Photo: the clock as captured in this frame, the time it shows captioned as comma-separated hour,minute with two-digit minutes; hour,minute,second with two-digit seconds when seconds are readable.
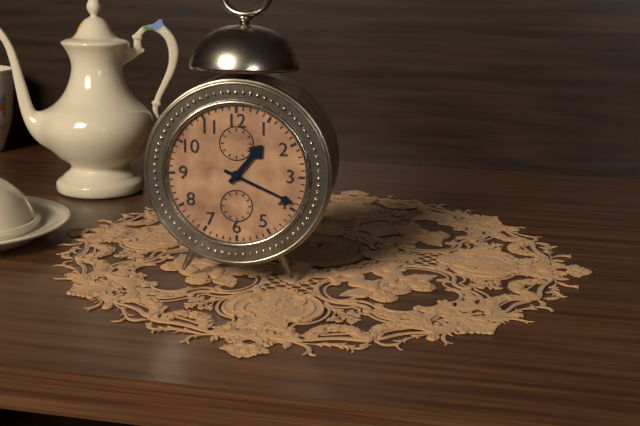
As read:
1,19
